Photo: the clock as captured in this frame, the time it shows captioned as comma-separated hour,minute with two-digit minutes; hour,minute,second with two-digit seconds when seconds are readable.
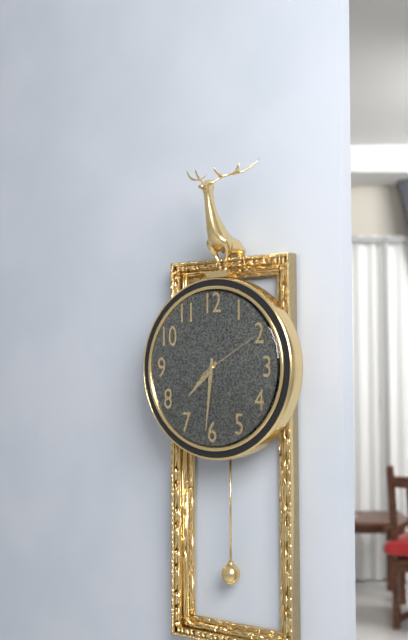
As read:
7,31,10
